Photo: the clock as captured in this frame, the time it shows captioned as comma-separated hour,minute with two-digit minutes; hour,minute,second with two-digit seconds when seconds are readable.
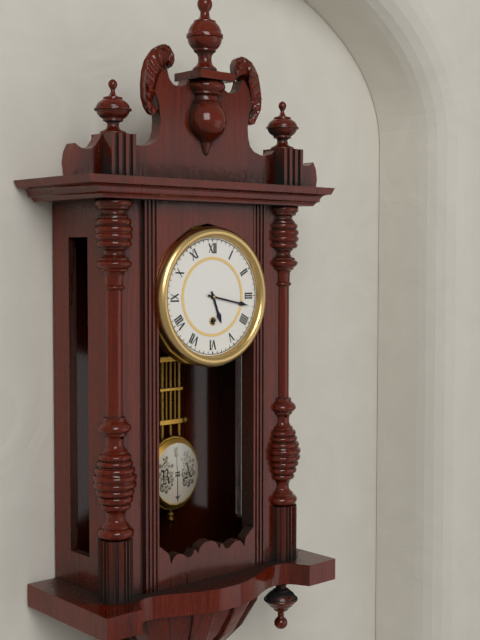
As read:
5,17
